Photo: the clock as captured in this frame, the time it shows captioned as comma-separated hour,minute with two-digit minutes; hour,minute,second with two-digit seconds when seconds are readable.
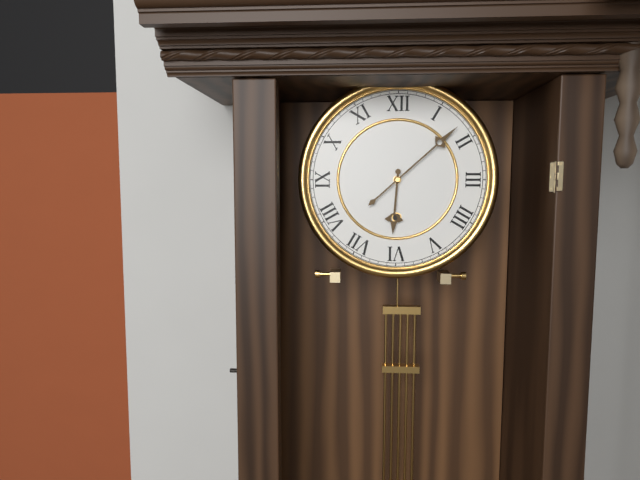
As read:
6,08
